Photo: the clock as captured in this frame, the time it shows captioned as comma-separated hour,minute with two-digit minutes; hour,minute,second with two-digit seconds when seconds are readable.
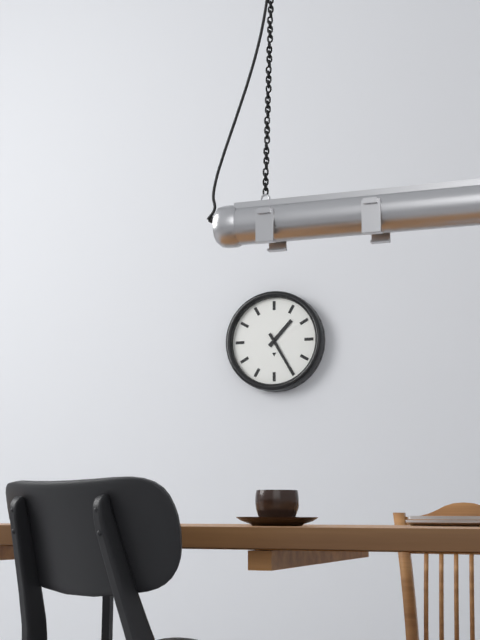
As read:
1,25
